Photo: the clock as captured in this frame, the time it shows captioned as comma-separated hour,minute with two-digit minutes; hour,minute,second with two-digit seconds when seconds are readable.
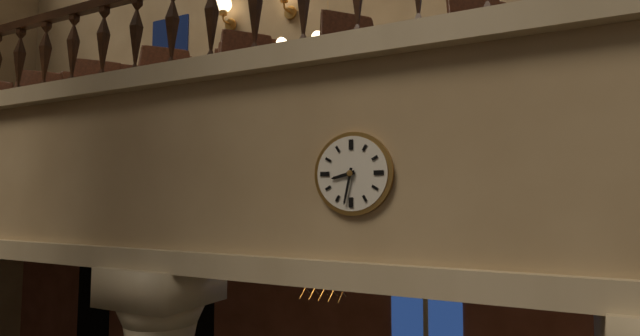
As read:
8,32
